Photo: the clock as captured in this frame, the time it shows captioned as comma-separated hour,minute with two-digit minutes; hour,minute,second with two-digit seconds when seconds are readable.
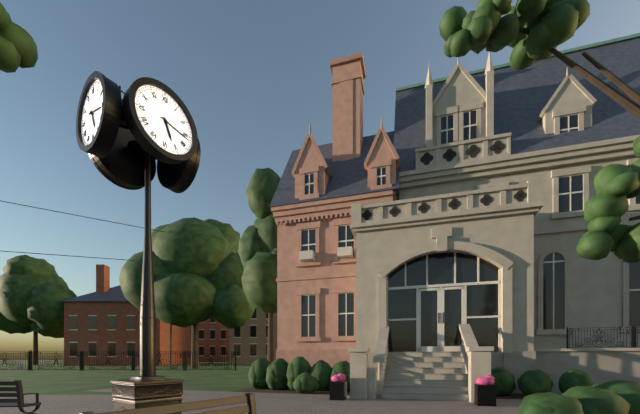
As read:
5,17
